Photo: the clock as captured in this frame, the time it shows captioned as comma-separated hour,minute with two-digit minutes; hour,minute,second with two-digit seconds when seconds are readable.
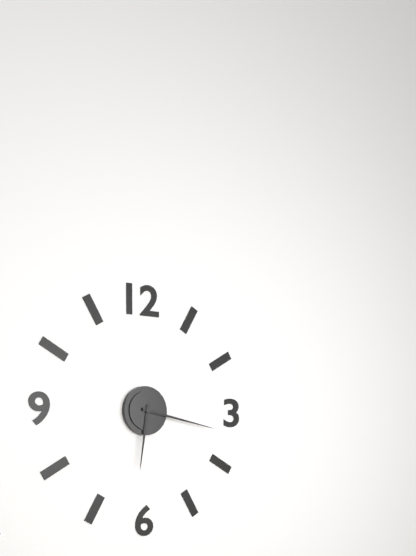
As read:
6,17
